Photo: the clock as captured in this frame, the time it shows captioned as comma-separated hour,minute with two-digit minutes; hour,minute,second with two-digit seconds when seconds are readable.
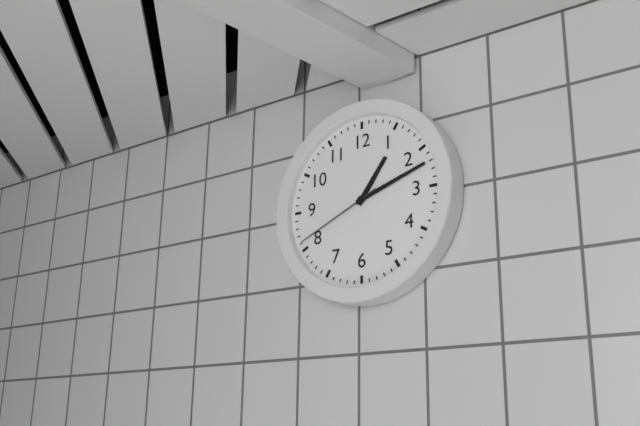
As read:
1,12,41
